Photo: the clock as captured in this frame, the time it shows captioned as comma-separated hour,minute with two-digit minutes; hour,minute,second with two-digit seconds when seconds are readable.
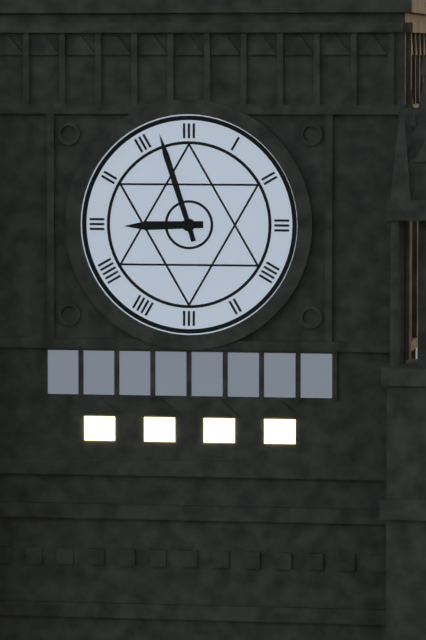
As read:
8,57
